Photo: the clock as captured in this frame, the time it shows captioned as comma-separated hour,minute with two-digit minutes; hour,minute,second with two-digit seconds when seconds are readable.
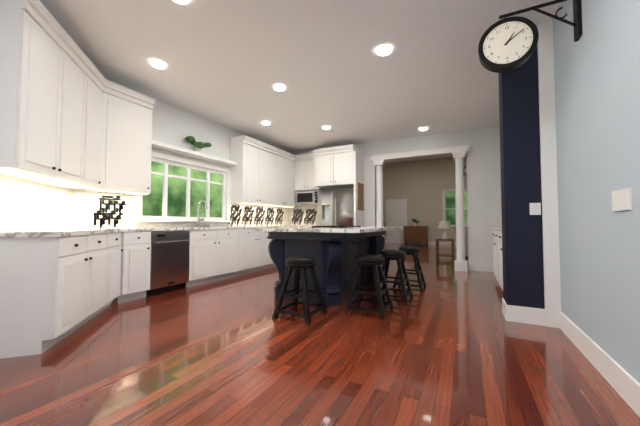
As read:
1,09
